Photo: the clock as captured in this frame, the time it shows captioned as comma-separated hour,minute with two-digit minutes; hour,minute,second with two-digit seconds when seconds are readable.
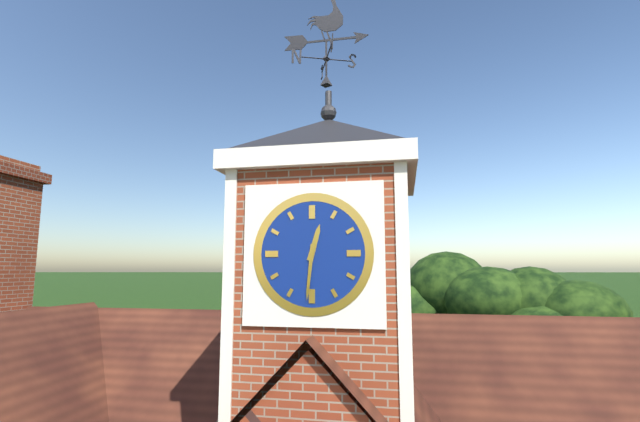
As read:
12,31
